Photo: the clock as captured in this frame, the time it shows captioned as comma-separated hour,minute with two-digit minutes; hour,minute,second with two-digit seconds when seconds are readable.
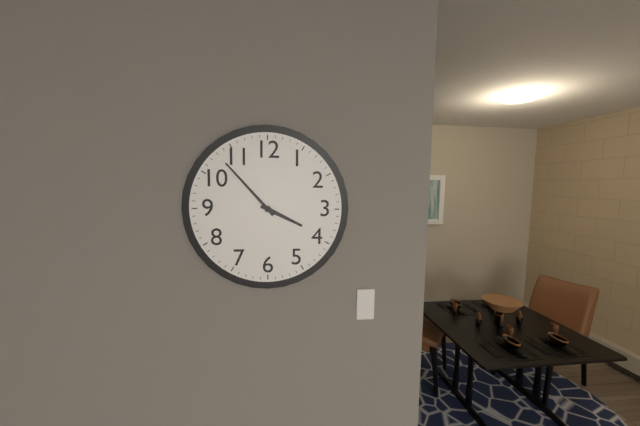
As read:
3,53
